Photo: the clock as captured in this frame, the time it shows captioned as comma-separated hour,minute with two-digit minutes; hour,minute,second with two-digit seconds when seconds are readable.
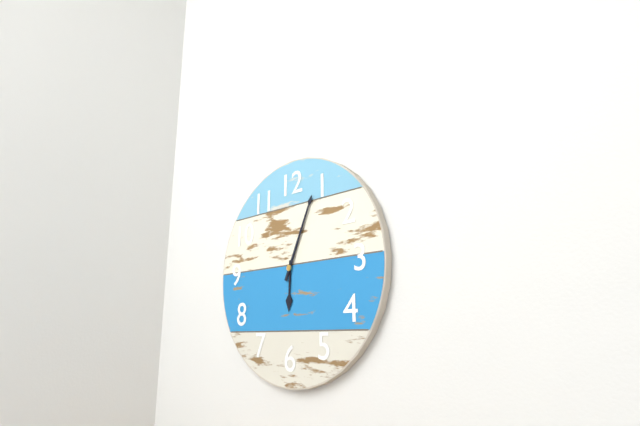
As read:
6,04
